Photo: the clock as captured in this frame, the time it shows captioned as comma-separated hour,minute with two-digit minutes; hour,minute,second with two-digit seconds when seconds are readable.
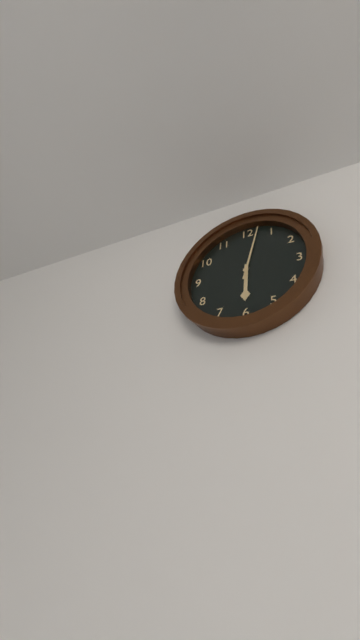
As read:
6,02
